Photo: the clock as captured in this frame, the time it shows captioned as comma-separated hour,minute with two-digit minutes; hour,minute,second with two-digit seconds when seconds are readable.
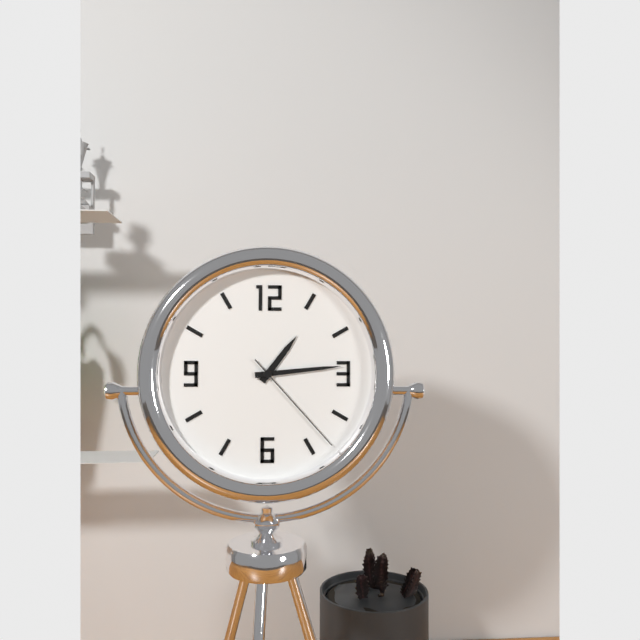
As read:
1,14,23
